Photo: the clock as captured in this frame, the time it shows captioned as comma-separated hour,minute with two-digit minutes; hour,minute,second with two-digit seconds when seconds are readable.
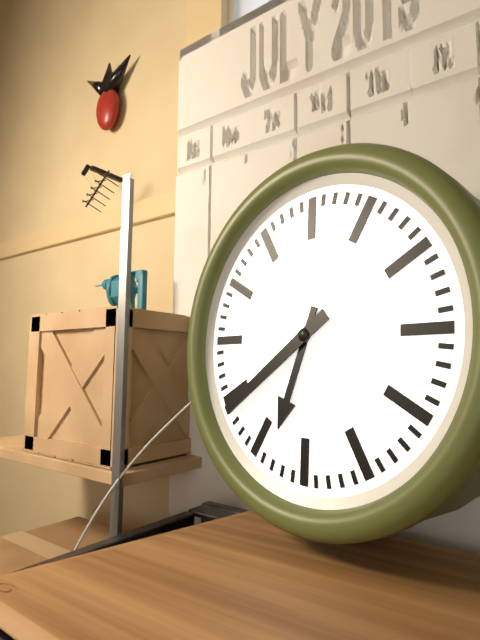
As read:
6,39
